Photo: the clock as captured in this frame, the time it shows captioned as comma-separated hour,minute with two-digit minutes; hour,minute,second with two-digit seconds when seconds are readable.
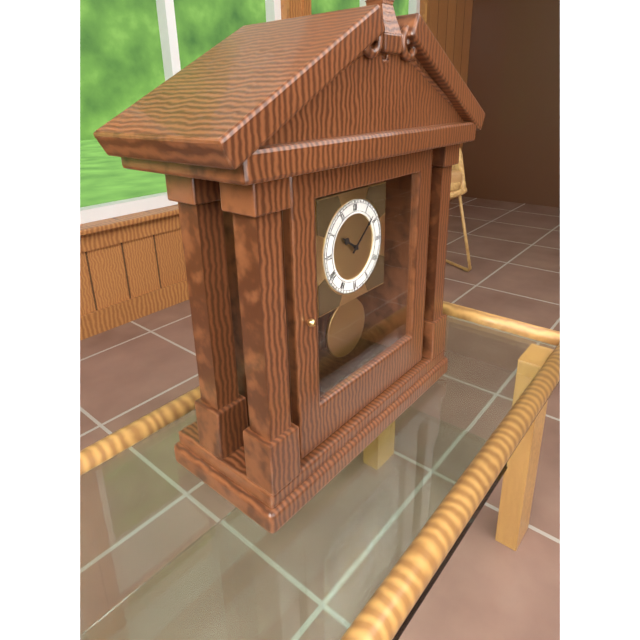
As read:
10,08
